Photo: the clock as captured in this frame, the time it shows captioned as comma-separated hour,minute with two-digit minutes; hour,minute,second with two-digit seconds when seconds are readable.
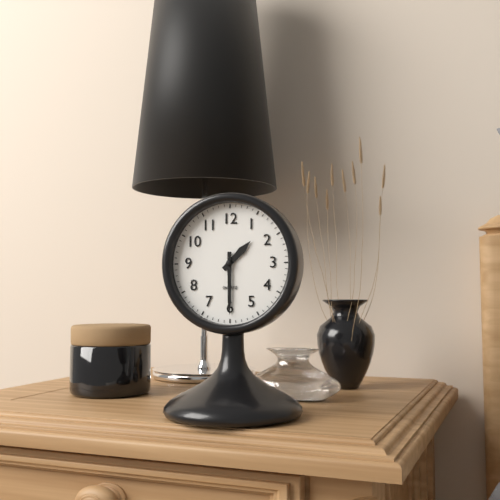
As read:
1,30
